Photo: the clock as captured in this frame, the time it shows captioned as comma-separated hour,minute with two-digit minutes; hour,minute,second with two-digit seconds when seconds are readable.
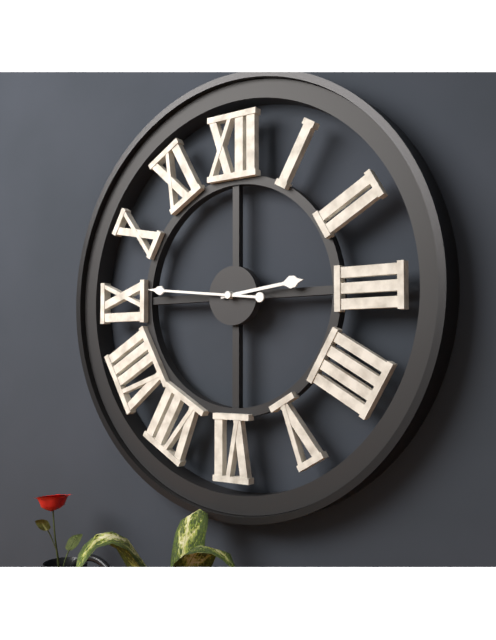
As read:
2,46
